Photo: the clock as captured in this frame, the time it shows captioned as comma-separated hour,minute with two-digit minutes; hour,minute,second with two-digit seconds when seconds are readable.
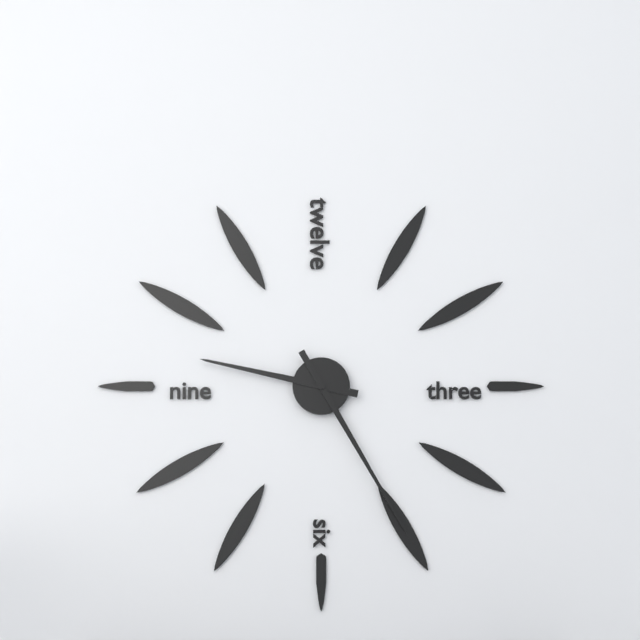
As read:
9,25
